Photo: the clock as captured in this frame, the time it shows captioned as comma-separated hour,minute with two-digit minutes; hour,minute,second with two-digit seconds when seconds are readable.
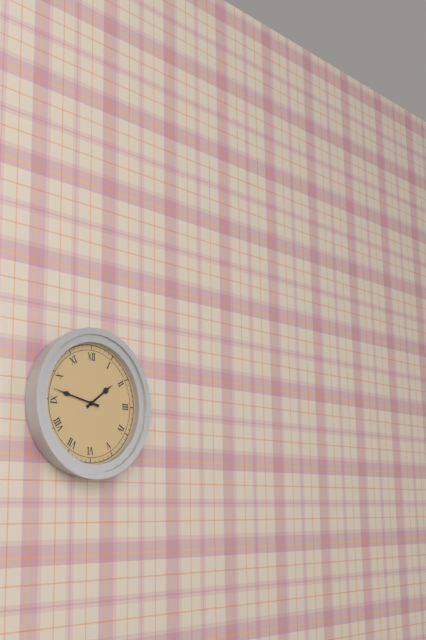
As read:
1,47
